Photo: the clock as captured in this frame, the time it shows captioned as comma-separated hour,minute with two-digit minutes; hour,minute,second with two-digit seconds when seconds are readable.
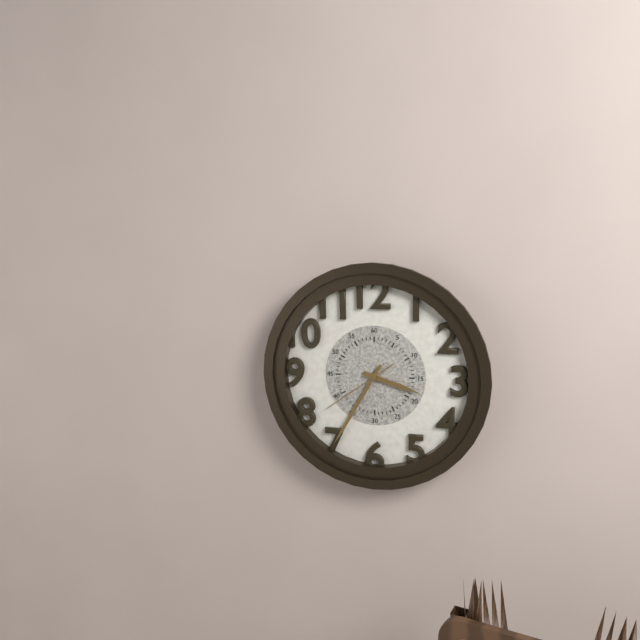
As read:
3,35,39
